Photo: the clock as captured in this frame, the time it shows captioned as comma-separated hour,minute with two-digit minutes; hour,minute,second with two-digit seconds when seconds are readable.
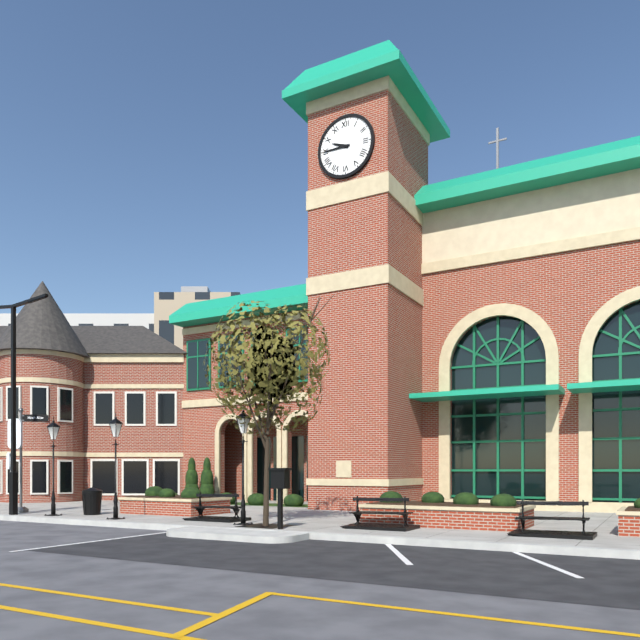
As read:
9,45
